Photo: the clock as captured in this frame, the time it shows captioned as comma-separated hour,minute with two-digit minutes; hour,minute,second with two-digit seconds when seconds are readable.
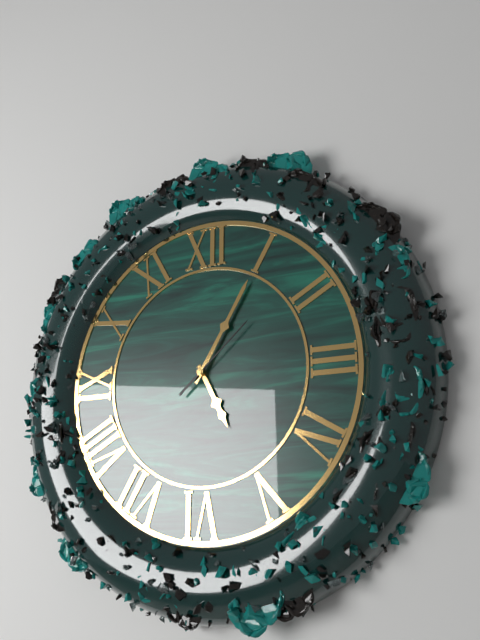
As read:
5,05,08
